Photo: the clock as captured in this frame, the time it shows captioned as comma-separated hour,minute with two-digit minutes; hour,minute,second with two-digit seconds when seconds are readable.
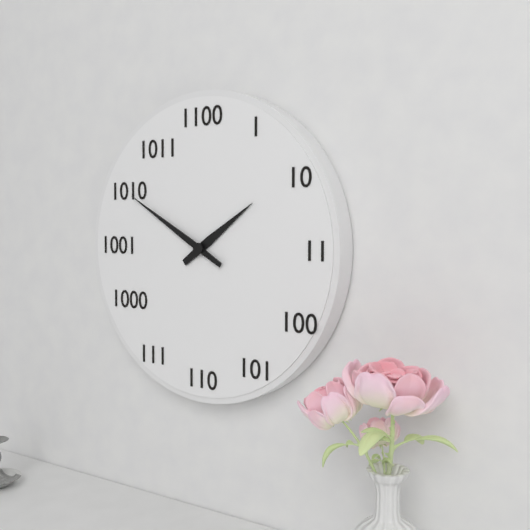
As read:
1,50
